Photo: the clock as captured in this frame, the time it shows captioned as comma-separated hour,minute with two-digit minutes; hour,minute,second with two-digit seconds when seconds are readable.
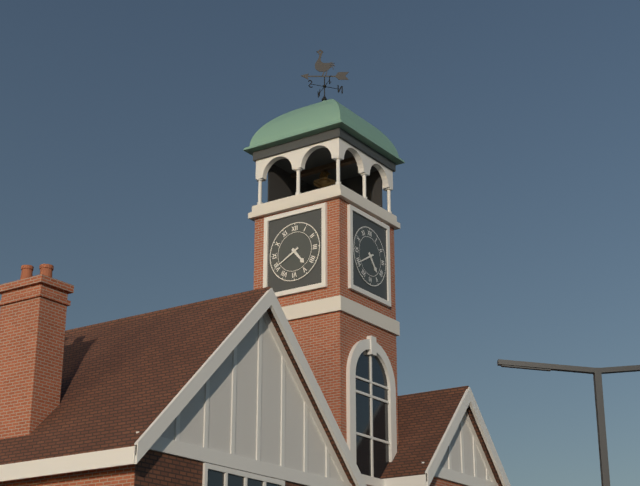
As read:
4,40
